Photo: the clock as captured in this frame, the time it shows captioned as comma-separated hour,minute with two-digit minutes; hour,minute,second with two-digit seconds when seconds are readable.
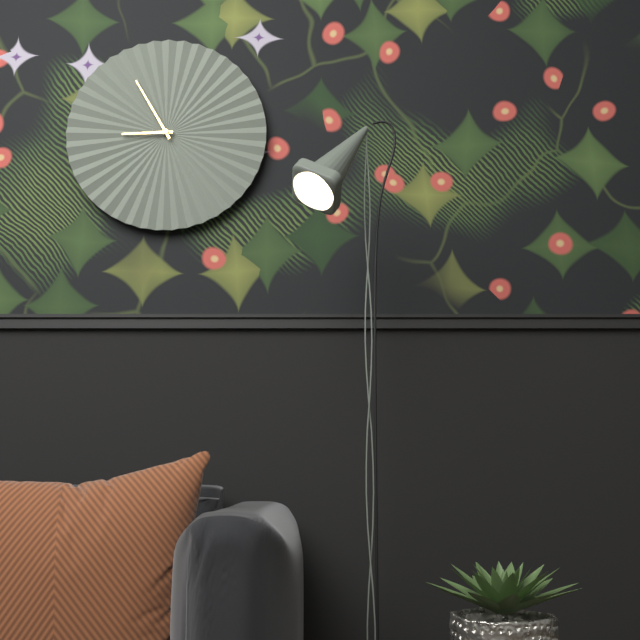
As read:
8,55
